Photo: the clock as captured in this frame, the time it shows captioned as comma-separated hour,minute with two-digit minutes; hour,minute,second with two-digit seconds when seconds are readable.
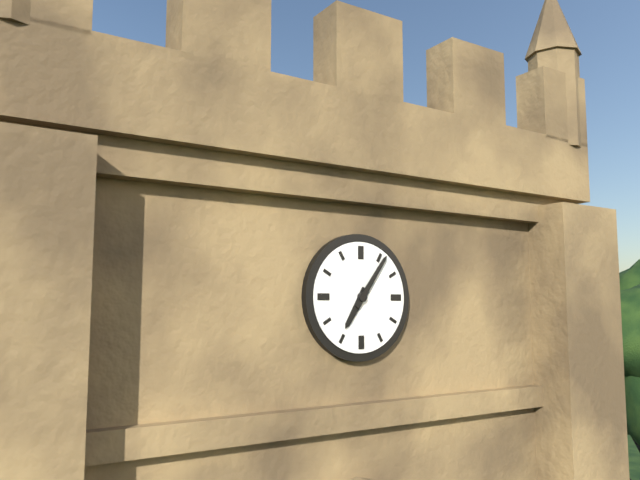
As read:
7,06
